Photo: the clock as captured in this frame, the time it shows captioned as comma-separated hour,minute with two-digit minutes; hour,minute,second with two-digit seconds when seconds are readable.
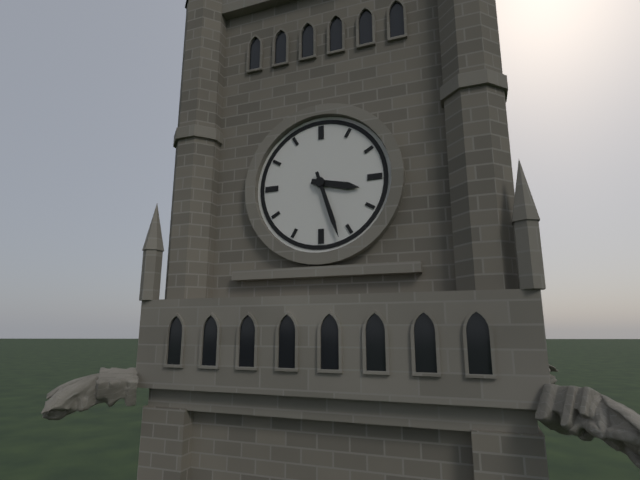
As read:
3,27
